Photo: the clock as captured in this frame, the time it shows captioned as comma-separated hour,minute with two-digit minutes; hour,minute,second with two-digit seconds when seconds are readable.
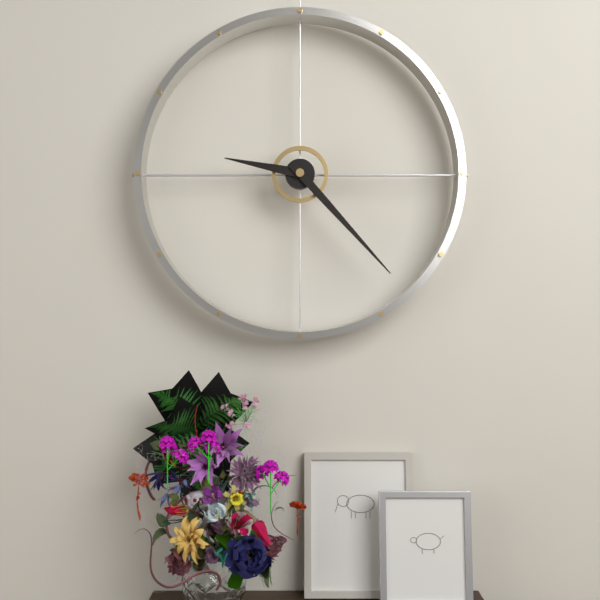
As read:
9,23
